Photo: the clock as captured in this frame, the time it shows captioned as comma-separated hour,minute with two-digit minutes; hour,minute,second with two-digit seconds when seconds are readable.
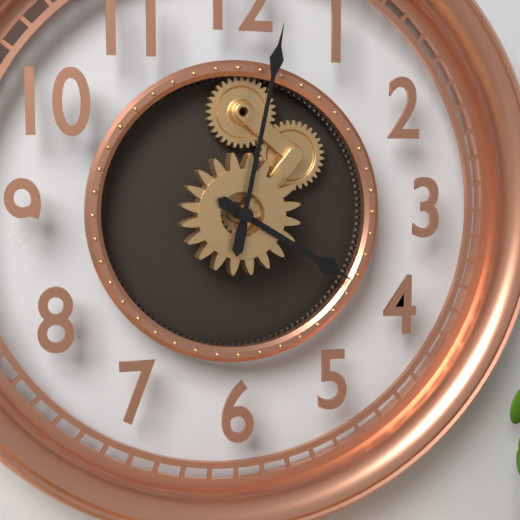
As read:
4,02
